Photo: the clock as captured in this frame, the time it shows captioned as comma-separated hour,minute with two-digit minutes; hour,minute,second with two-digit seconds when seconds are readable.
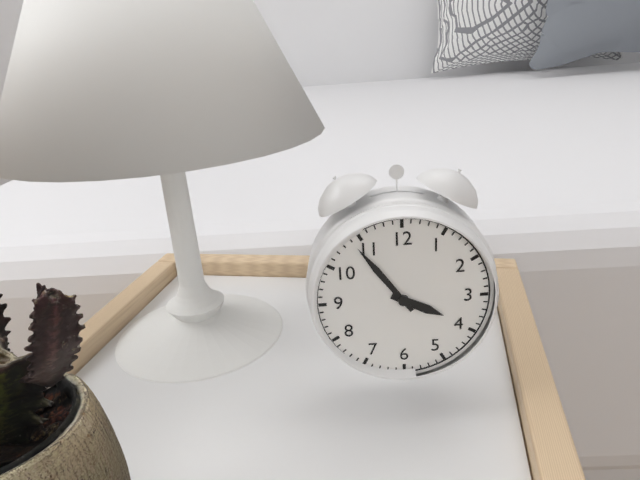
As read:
3,54
